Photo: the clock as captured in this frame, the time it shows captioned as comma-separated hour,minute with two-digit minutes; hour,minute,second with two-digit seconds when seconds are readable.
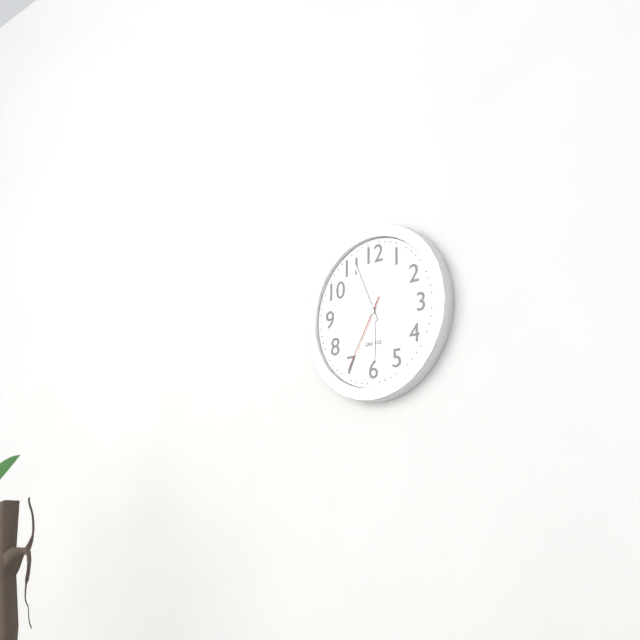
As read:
5,56,35
